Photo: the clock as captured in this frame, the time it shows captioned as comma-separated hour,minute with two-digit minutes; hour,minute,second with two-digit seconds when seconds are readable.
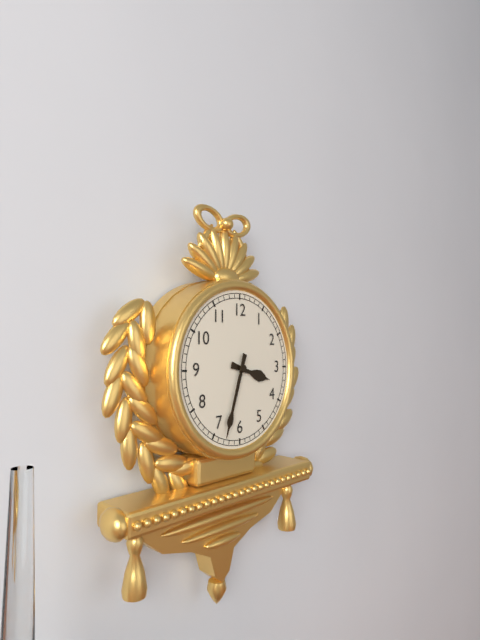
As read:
3,33
